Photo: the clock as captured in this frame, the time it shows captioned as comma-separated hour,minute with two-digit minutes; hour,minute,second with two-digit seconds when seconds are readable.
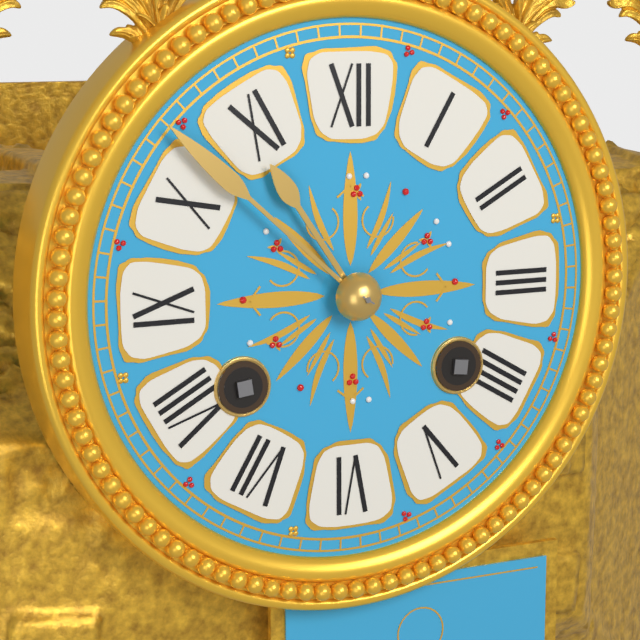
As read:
10,52
